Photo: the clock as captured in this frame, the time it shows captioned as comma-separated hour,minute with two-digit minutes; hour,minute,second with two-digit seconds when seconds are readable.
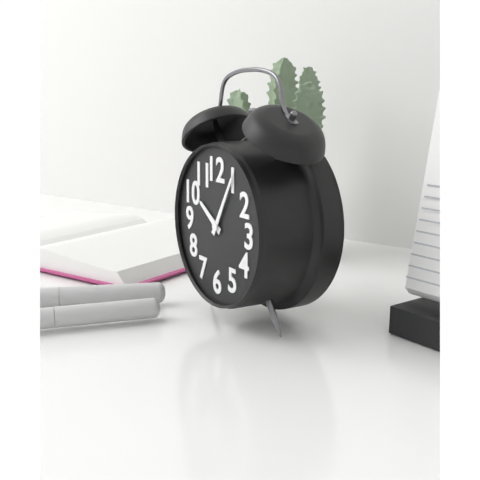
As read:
10,05
